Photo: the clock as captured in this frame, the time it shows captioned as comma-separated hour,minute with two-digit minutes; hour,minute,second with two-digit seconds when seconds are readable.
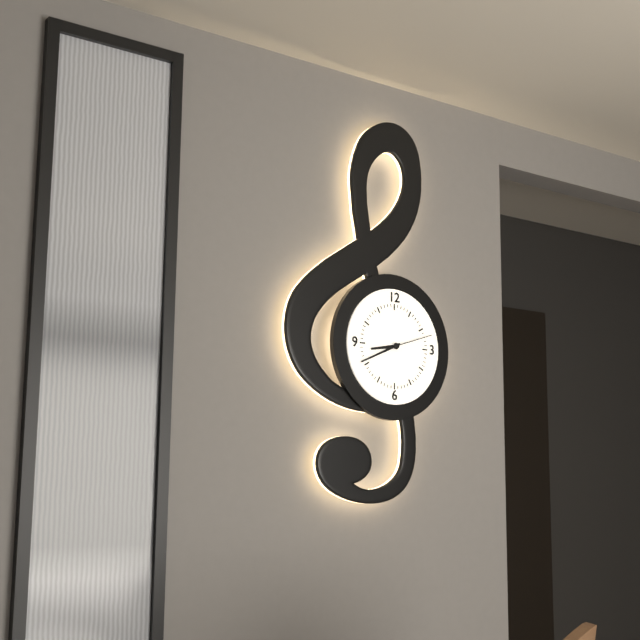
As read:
8,41
